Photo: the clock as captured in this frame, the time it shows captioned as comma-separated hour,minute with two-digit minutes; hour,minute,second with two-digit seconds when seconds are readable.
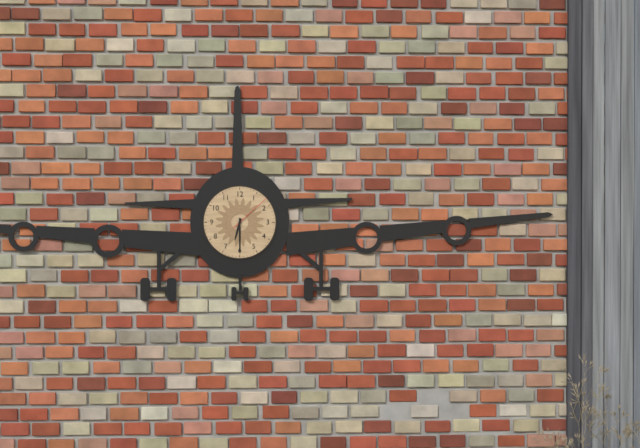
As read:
6,30
